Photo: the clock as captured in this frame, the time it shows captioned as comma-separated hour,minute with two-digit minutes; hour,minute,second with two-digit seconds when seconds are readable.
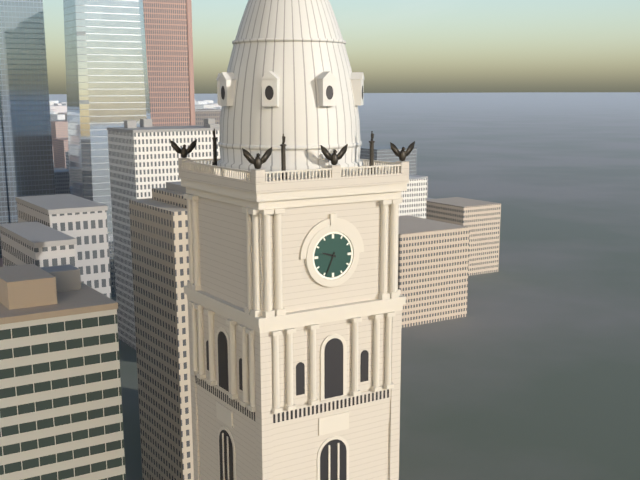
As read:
9,34
